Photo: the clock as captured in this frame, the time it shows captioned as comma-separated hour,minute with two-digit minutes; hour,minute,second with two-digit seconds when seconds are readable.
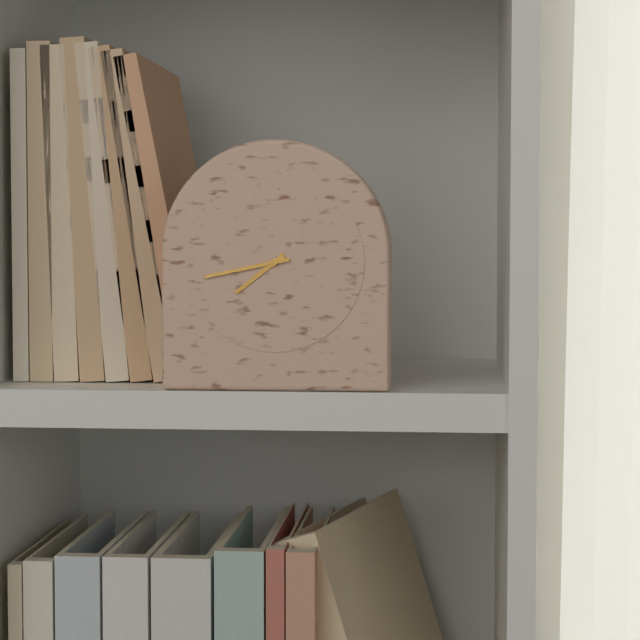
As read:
7,43
